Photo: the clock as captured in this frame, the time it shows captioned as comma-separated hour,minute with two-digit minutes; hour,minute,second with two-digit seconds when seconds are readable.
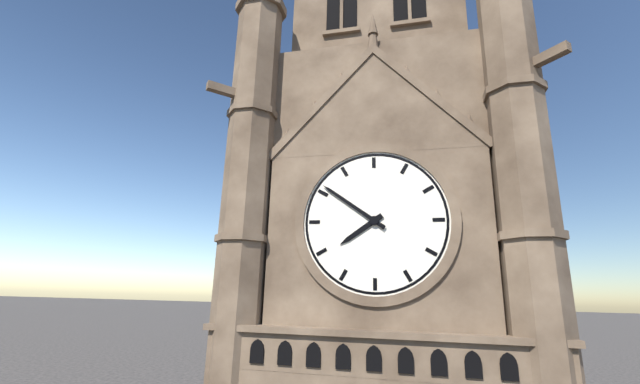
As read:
7,51
